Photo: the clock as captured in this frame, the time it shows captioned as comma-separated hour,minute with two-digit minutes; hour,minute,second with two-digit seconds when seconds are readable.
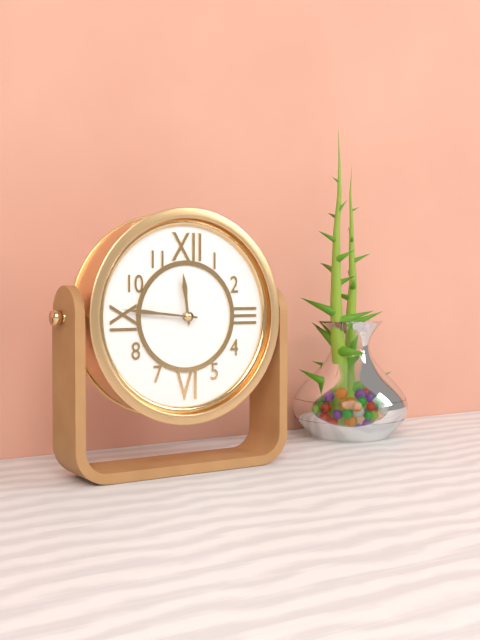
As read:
11,46
